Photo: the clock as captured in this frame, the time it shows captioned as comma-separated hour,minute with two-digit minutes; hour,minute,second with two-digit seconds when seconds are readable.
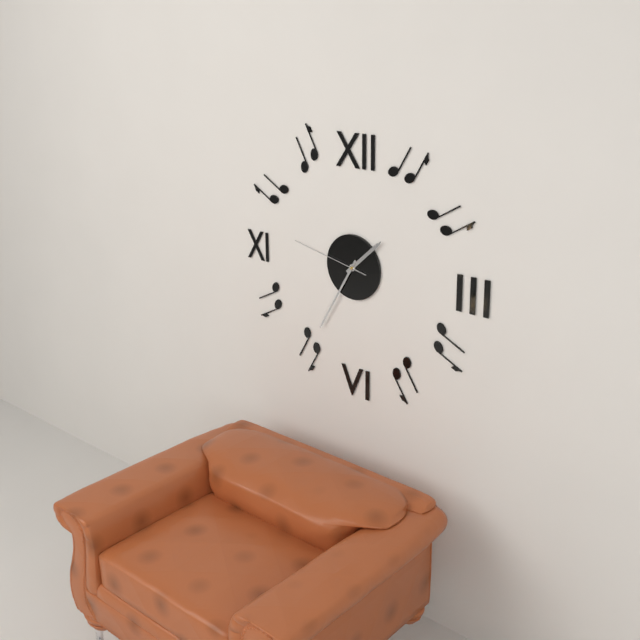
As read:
1,35,47
